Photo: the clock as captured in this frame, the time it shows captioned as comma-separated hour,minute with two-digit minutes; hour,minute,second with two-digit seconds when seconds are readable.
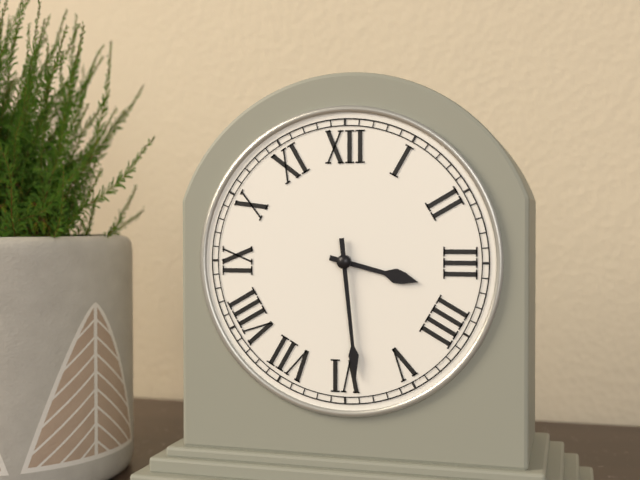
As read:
3,29
